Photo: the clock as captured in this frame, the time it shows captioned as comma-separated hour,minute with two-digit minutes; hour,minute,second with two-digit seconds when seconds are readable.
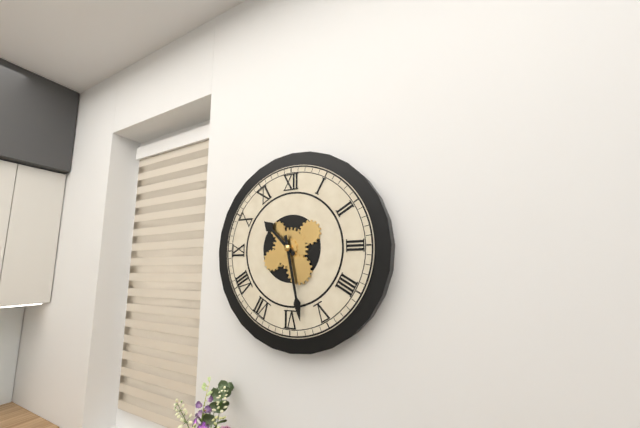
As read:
10,28
